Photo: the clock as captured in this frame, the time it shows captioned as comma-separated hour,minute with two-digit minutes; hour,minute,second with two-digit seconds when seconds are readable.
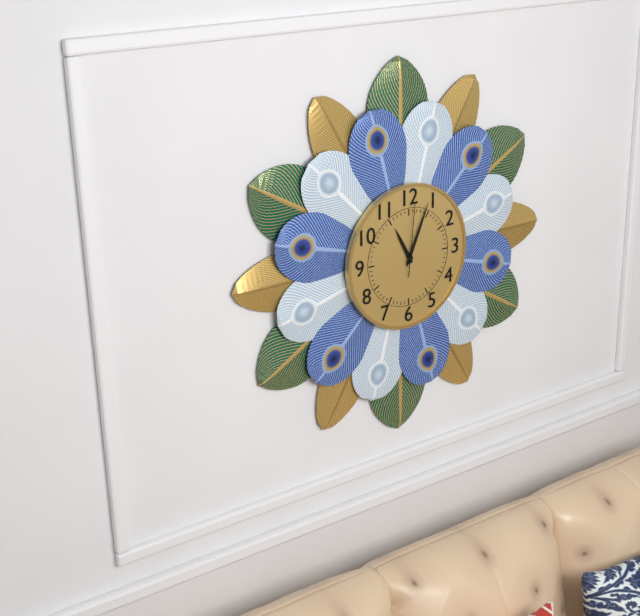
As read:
11,04,01
